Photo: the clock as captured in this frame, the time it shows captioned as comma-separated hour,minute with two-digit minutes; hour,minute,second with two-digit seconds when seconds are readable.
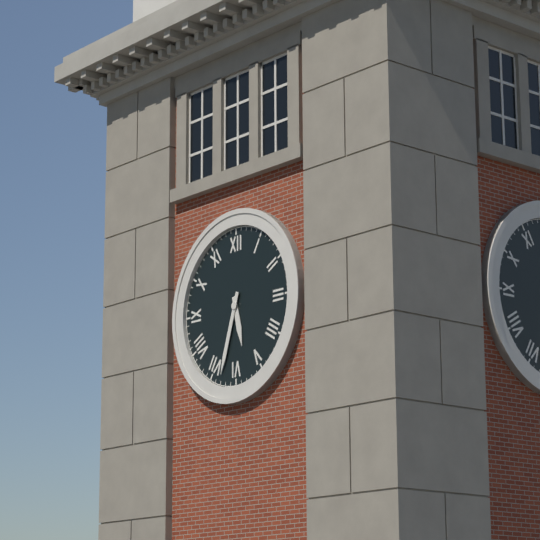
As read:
5,33
